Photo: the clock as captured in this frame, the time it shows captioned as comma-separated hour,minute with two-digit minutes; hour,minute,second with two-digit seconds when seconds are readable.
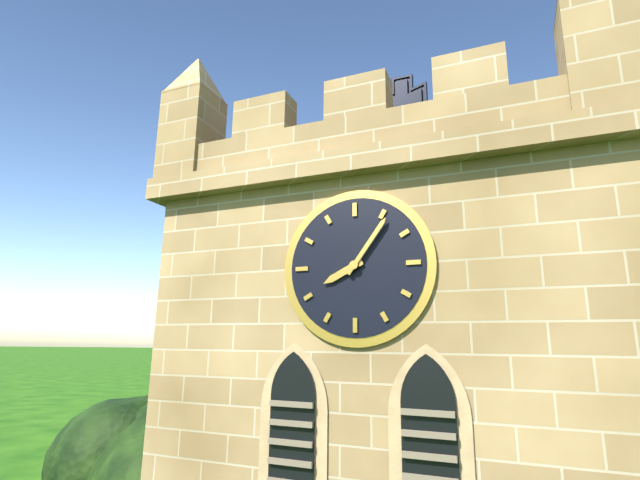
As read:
8,06
